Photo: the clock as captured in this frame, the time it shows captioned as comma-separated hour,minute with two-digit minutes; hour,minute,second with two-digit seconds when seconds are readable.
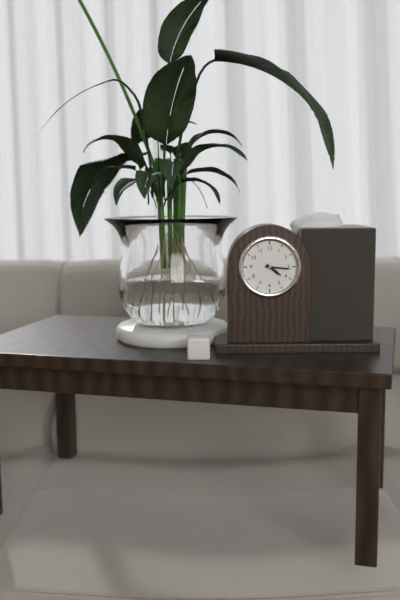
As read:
4,16
